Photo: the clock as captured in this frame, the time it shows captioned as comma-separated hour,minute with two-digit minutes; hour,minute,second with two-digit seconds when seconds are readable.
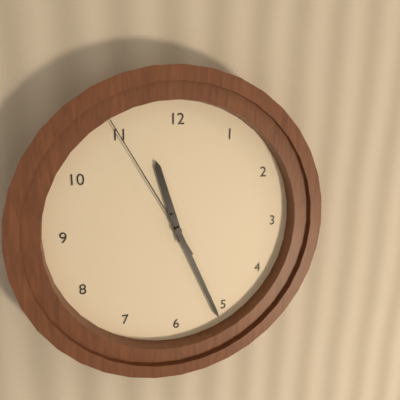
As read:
11,26,55
